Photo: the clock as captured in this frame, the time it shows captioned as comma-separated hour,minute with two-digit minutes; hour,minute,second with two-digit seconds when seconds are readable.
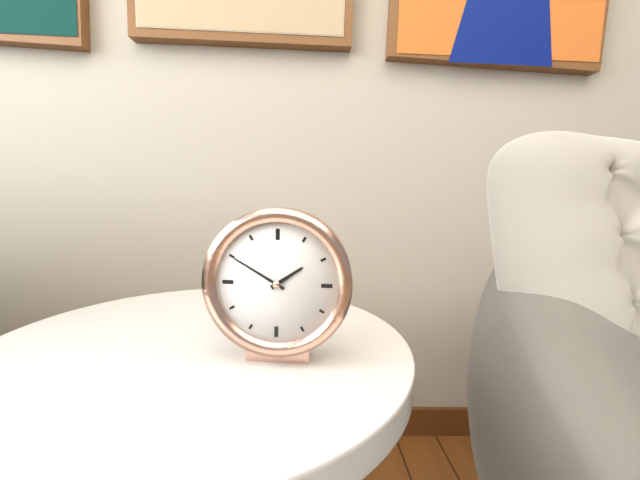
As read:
1,50
